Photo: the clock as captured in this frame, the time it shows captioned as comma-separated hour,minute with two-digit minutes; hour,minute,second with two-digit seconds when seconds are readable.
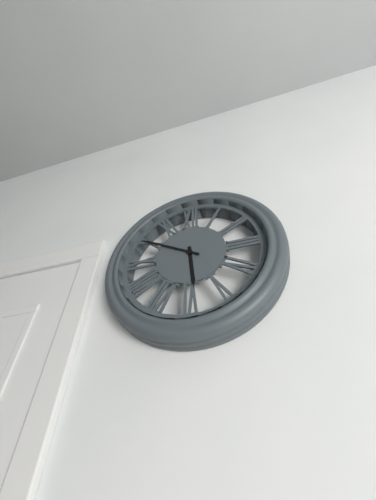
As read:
5,50
